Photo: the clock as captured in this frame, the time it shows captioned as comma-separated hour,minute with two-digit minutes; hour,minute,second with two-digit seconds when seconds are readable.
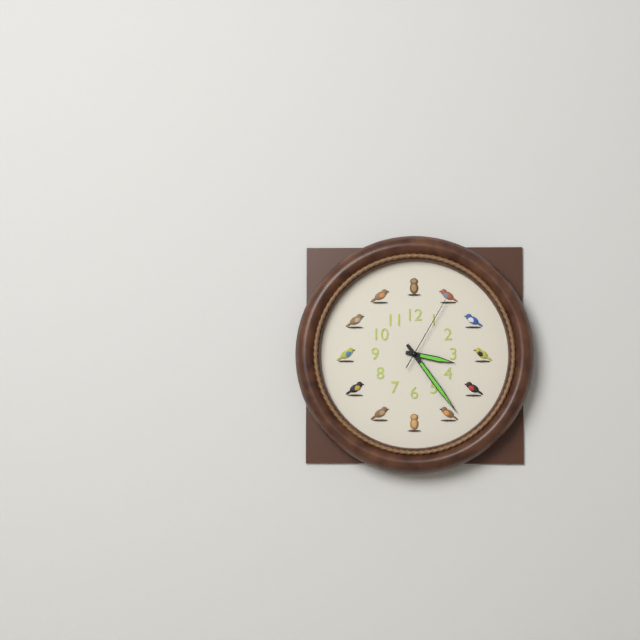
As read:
3,24,05
